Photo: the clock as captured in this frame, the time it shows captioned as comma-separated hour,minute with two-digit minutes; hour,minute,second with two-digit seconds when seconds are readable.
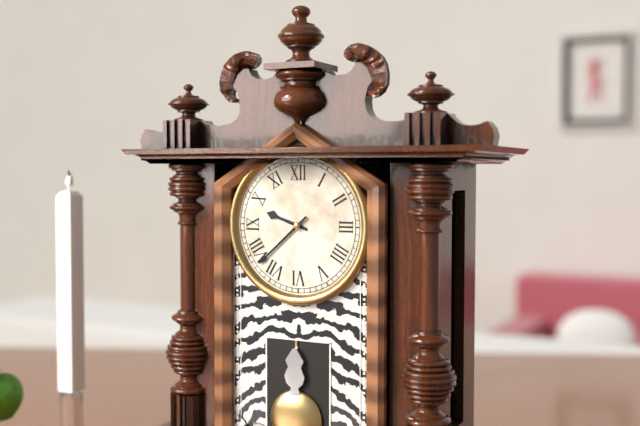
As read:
9,38
